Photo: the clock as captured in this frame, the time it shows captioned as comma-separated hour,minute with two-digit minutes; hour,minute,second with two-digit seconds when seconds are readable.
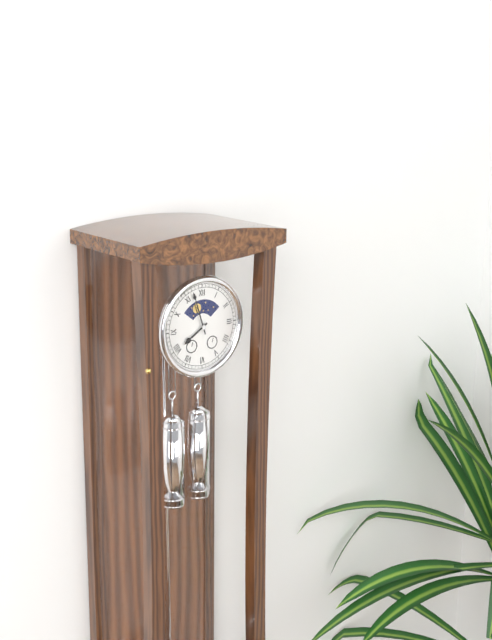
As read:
7,57
